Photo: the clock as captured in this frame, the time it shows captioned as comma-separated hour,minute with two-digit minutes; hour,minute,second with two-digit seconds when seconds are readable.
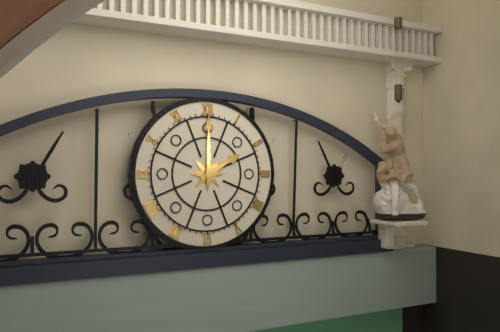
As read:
2,00
